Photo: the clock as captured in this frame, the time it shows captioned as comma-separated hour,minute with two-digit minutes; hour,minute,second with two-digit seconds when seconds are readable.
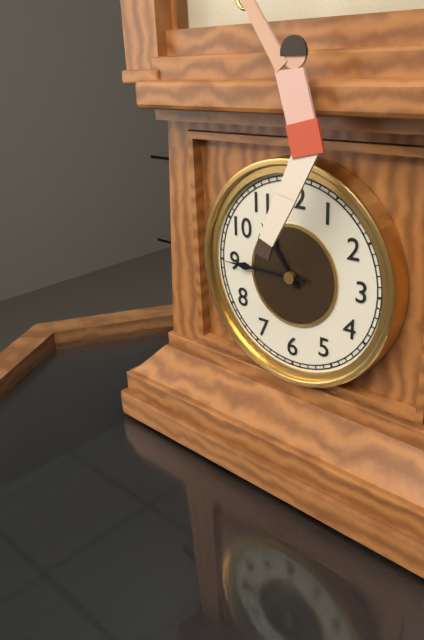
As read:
10,45
